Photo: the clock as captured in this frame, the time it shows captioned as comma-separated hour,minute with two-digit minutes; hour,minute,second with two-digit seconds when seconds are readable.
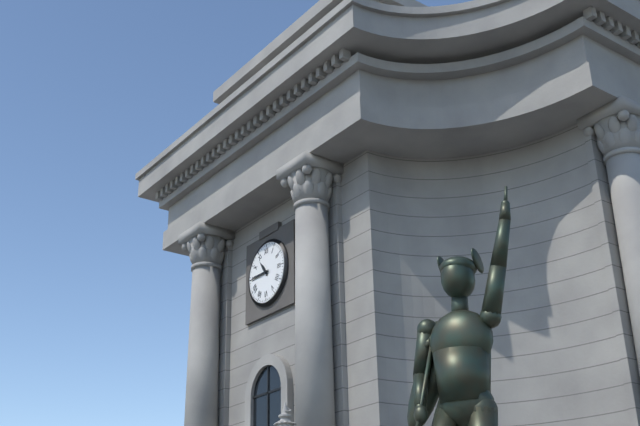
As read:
10,45
